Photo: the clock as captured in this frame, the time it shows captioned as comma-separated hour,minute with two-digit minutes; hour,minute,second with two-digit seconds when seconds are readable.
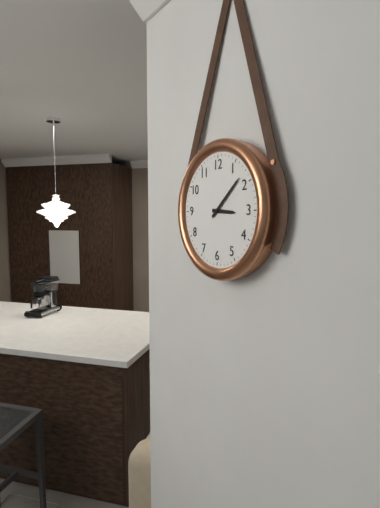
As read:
3,08
